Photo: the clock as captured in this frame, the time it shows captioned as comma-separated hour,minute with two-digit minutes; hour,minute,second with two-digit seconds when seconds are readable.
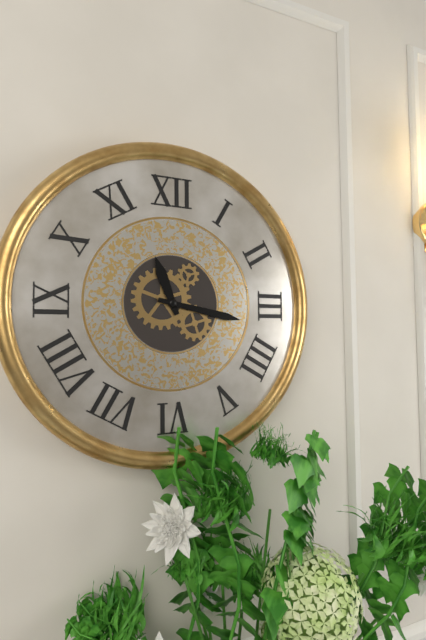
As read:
11,17
